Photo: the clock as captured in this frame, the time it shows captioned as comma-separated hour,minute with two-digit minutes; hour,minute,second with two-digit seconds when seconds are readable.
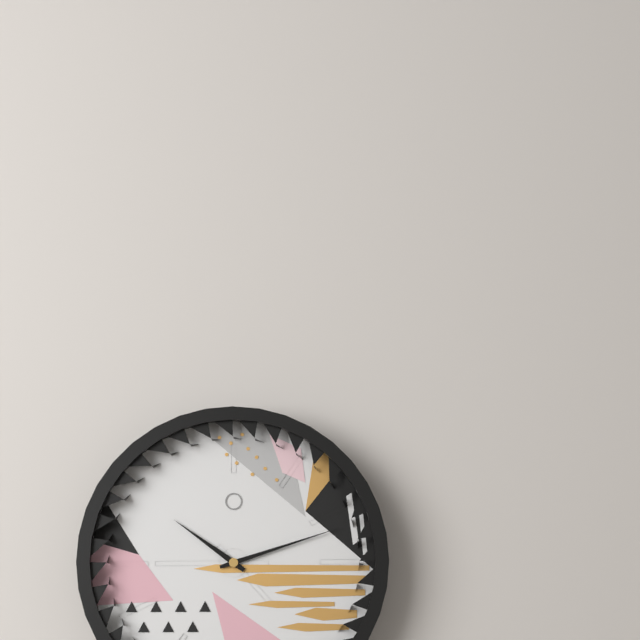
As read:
10,12
